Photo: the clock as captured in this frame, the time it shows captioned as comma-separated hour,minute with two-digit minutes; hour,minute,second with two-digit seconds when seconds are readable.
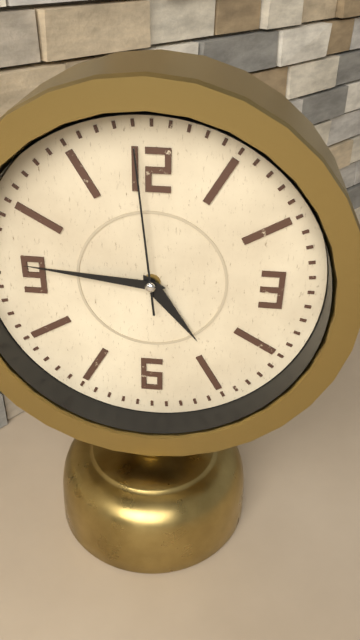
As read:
4,46,59
